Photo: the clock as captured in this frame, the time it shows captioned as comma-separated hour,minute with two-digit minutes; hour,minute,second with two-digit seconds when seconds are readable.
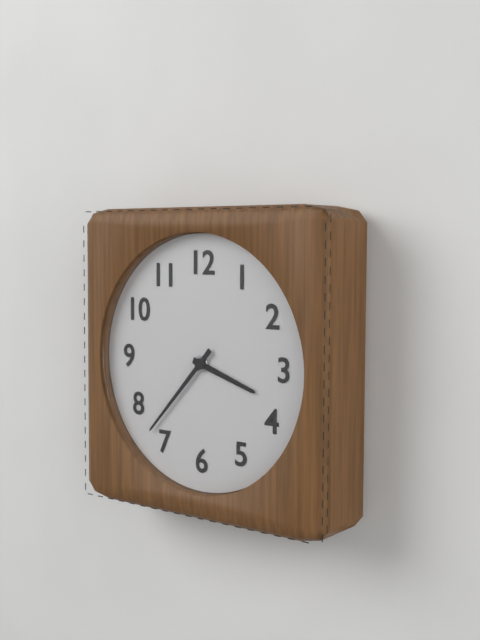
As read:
3,37
